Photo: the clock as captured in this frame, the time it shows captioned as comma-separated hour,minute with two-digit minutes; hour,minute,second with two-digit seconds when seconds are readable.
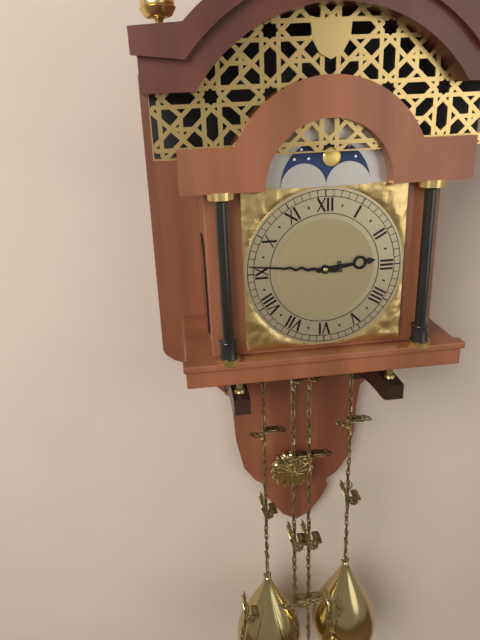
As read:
2,46
